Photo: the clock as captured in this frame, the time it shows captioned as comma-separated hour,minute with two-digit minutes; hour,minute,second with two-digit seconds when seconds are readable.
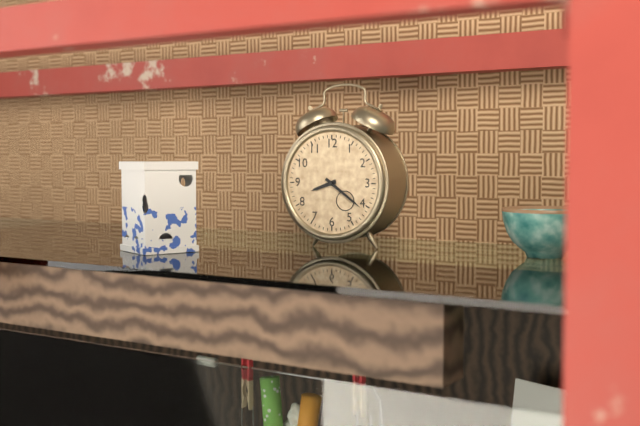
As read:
8,21
